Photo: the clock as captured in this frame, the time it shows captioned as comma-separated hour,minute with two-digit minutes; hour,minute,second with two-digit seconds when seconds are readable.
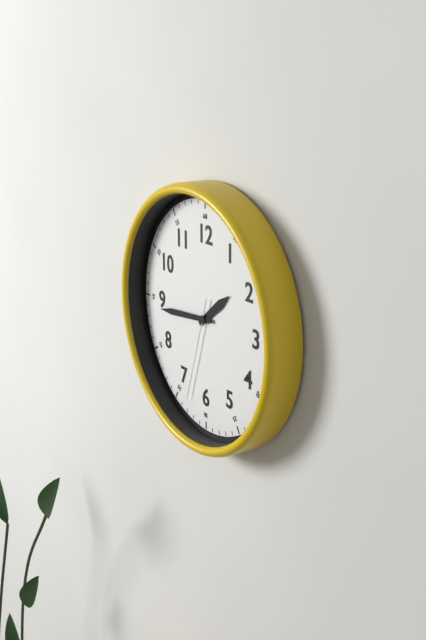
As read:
1,44,33
